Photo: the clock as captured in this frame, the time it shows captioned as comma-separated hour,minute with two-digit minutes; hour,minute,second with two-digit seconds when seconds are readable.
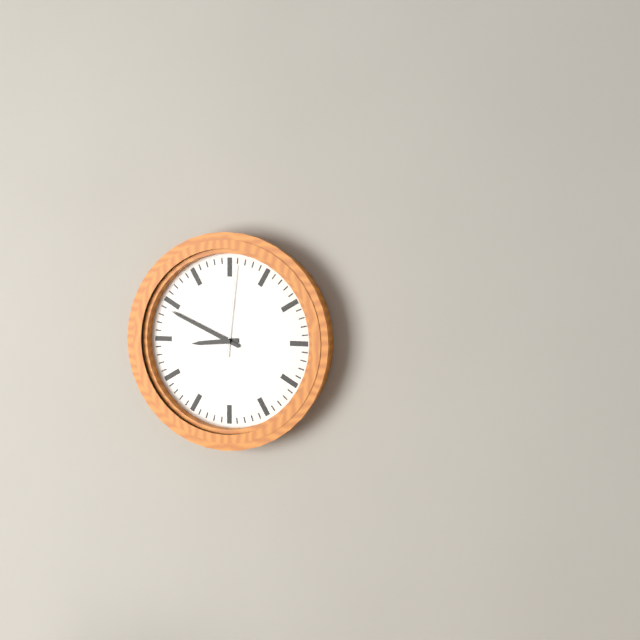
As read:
8,49,01
